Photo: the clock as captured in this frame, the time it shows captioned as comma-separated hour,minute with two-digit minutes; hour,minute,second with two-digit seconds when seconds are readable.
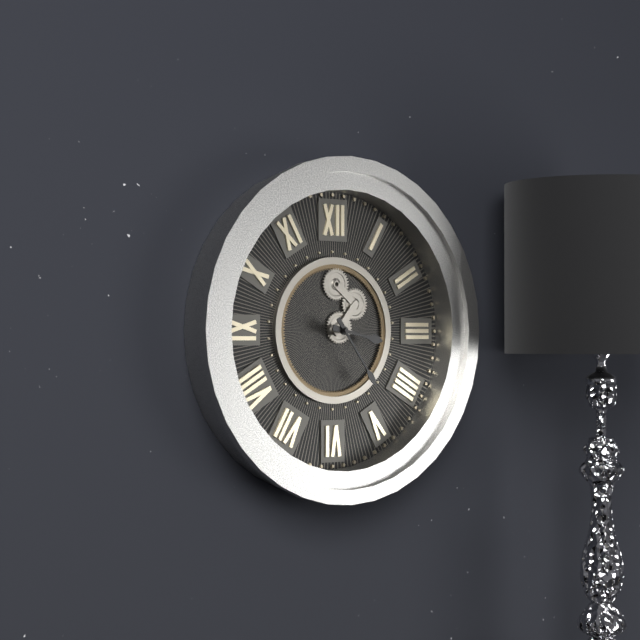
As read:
3,24
